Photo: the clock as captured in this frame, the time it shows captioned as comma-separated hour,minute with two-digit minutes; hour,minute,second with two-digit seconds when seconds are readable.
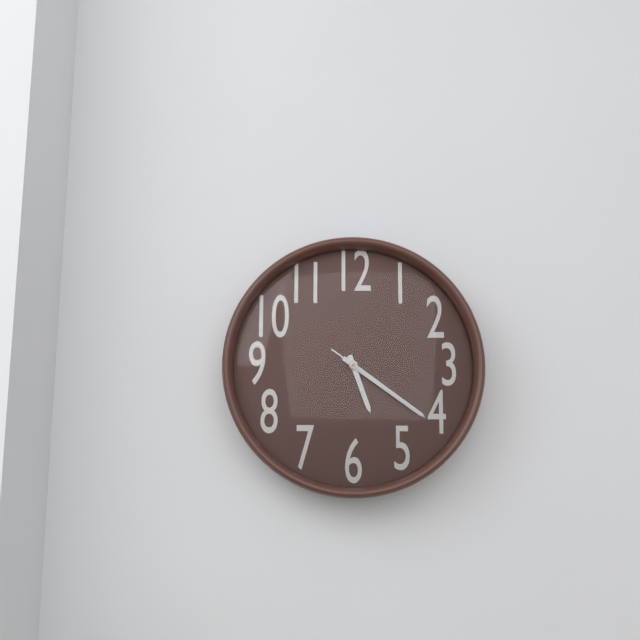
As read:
5,21,21
